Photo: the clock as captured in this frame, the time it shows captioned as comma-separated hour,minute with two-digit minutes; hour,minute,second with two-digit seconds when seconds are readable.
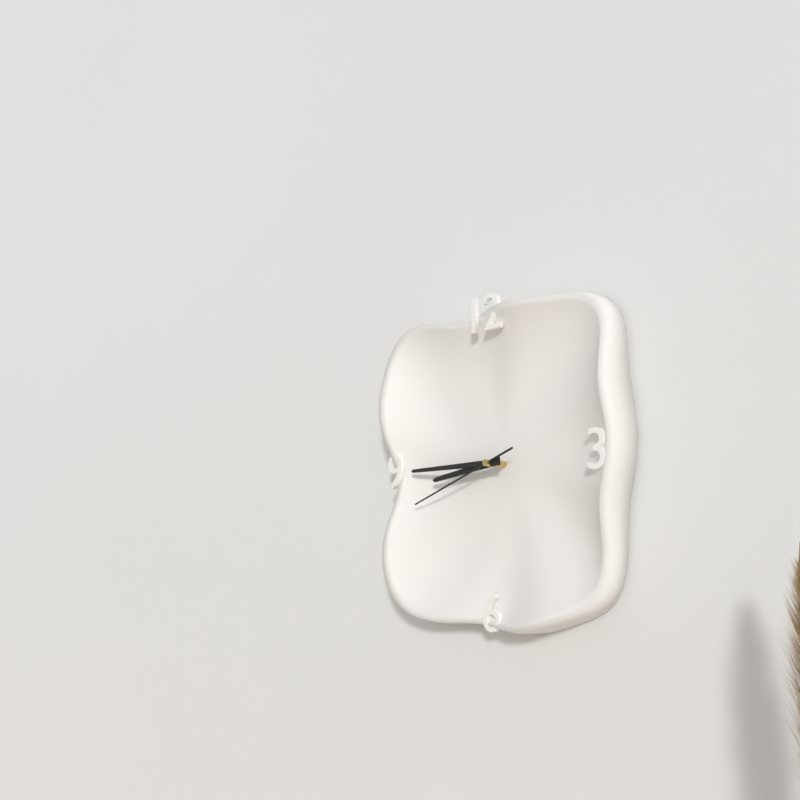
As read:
8,45,42
